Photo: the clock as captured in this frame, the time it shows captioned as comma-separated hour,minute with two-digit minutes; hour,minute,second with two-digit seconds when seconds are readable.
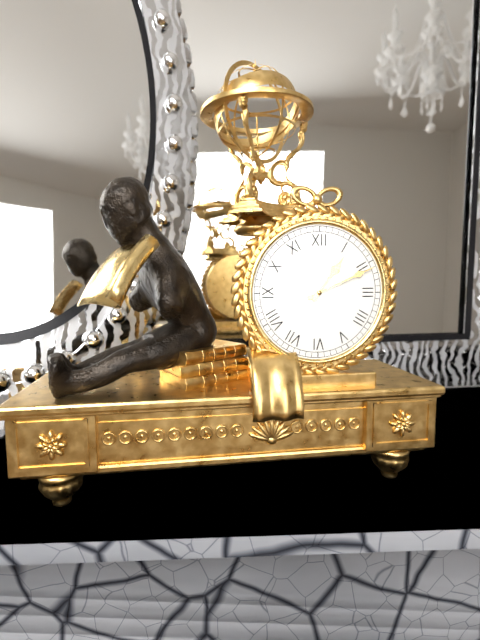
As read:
1,11
